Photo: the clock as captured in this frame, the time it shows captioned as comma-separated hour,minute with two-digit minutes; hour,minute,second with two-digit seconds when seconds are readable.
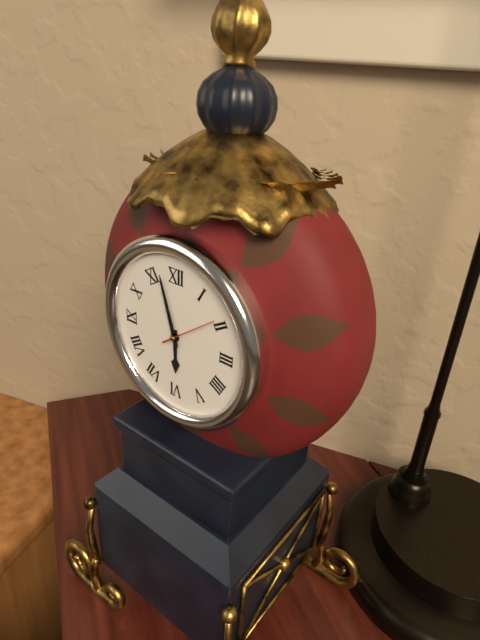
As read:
5,57,09
